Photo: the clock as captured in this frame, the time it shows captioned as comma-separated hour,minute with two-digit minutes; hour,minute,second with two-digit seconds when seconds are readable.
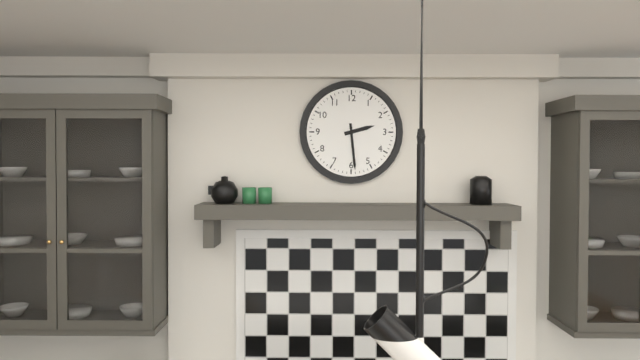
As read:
2,29
